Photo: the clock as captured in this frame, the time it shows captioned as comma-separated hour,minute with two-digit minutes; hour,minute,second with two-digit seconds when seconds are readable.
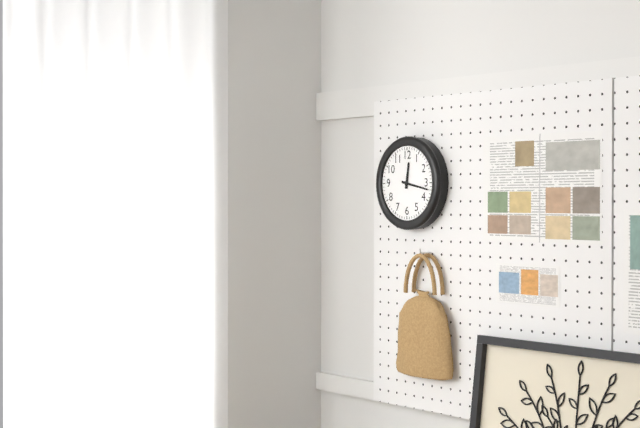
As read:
12,17
